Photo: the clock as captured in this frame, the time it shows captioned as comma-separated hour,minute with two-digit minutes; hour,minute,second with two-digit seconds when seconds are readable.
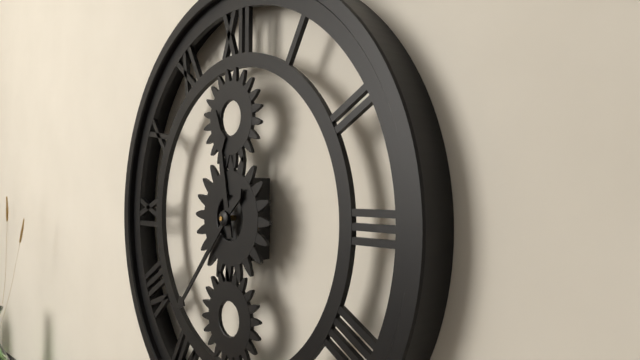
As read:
11,37
